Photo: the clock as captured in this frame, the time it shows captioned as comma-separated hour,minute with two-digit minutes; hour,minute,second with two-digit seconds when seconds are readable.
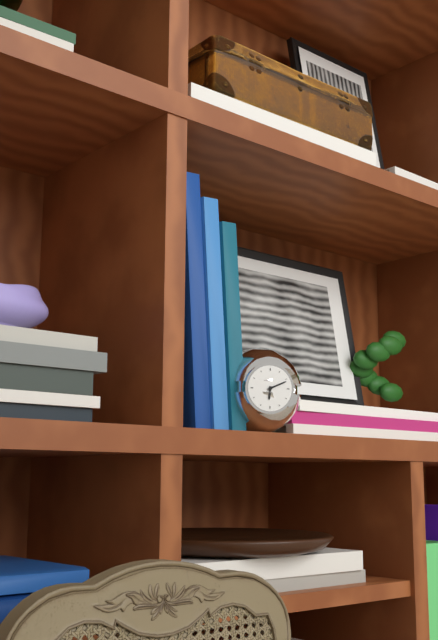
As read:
6,11
